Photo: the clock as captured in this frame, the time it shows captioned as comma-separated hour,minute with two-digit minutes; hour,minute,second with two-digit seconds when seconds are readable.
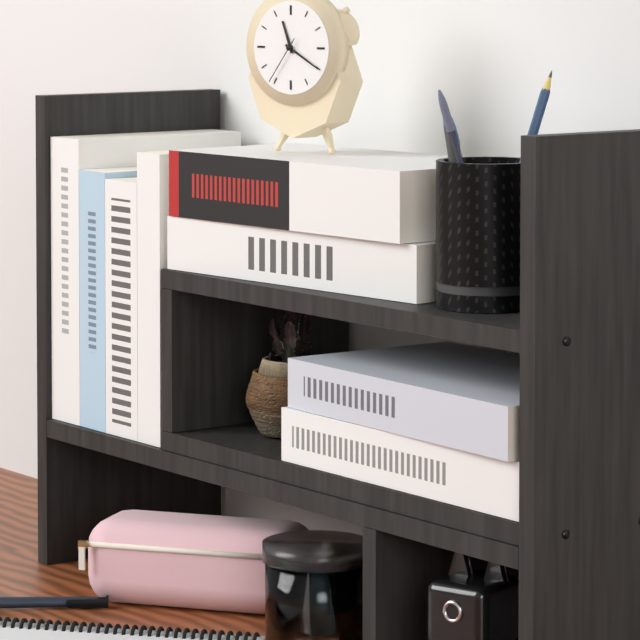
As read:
11,20,36
